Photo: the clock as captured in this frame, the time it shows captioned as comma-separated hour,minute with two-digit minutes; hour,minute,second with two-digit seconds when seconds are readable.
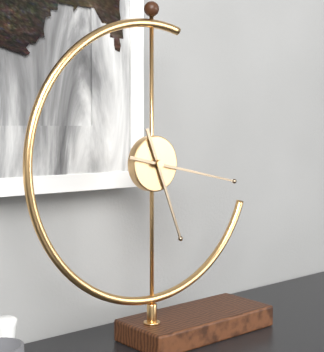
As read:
5,17
